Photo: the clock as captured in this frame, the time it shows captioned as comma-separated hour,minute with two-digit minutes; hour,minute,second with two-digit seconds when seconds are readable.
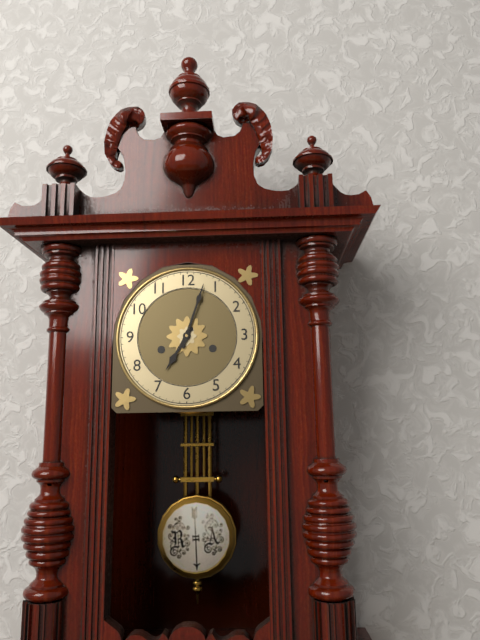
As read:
7,03
